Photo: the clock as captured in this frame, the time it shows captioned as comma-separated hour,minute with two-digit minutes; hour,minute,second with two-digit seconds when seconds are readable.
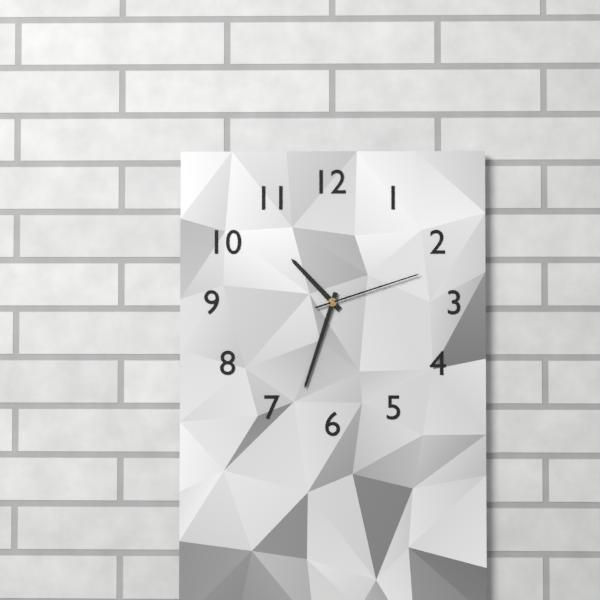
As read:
10,33,12
